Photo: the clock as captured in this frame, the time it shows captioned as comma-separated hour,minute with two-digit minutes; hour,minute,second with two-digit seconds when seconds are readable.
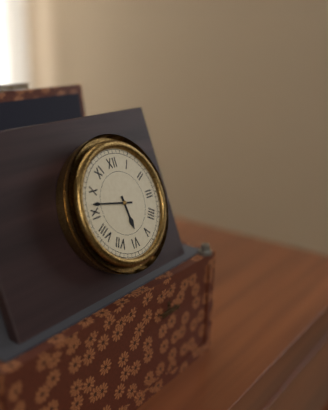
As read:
5,47
